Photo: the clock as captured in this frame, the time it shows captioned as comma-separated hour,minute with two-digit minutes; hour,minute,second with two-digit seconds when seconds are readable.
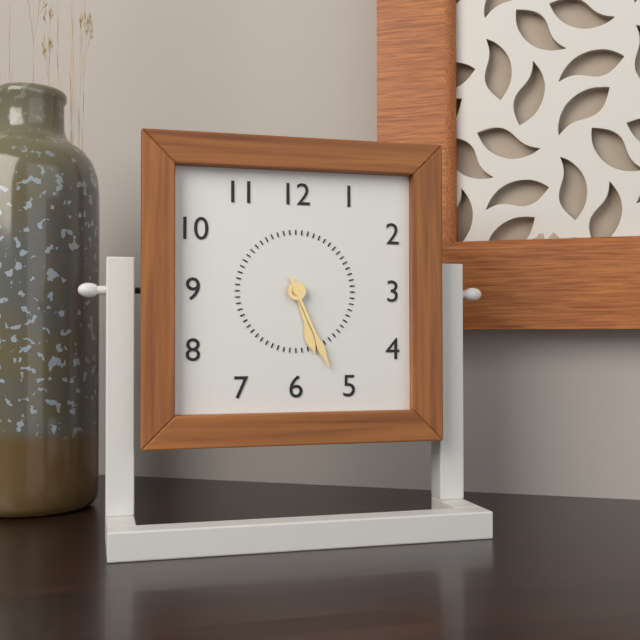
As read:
5,26
